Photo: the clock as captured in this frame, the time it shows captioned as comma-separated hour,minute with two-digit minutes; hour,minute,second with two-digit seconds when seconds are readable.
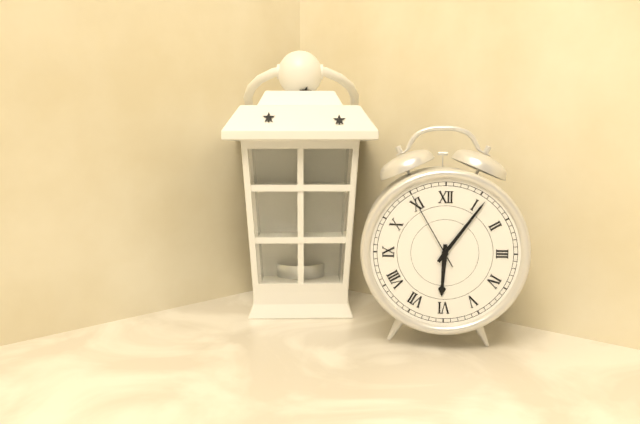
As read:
6,06,55
